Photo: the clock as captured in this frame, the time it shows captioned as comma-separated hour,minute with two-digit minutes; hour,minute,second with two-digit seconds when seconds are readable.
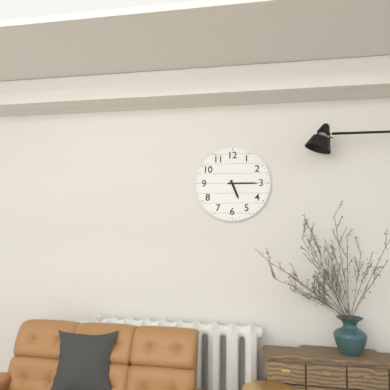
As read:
5,15
